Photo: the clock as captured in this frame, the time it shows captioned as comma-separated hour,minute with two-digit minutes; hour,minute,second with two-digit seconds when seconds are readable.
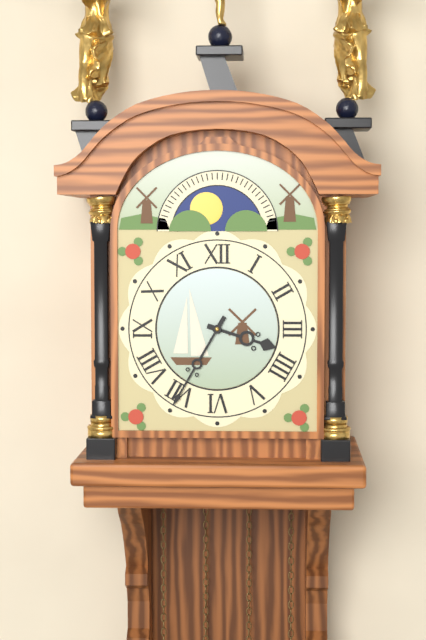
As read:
3,35
